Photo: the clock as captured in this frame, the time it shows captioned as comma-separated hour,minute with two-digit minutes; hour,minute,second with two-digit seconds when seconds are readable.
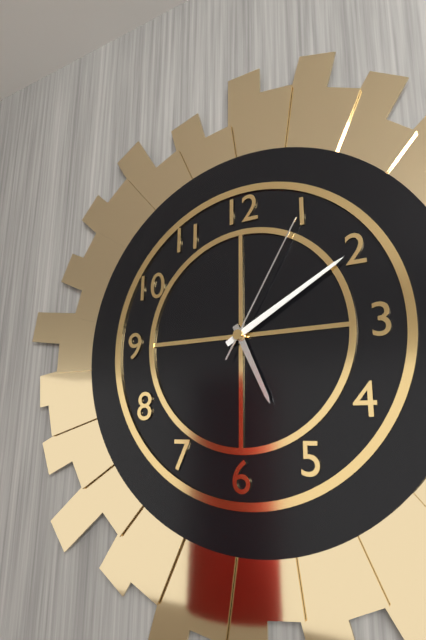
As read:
5,10,05
